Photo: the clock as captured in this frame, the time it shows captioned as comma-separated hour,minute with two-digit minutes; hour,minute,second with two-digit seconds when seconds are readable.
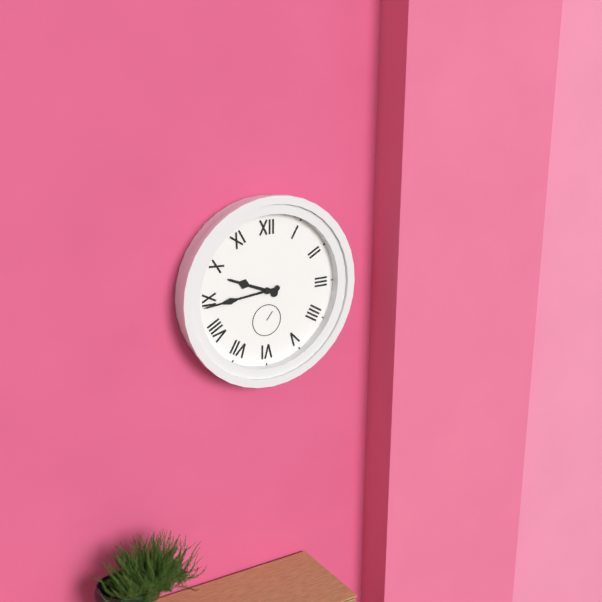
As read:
9,44
